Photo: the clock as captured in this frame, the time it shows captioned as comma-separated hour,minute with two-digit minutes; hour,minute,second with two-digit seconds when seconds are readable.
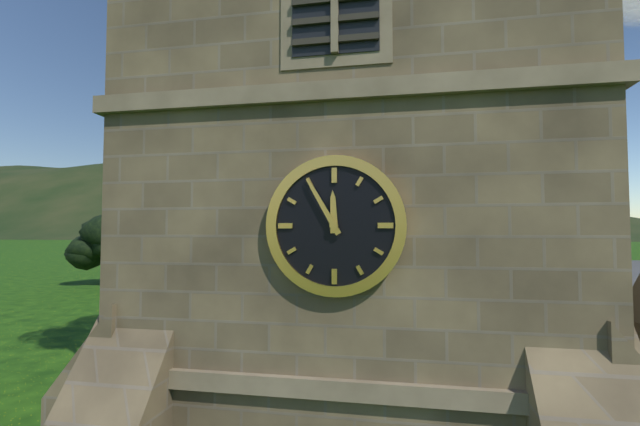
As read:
11,55
